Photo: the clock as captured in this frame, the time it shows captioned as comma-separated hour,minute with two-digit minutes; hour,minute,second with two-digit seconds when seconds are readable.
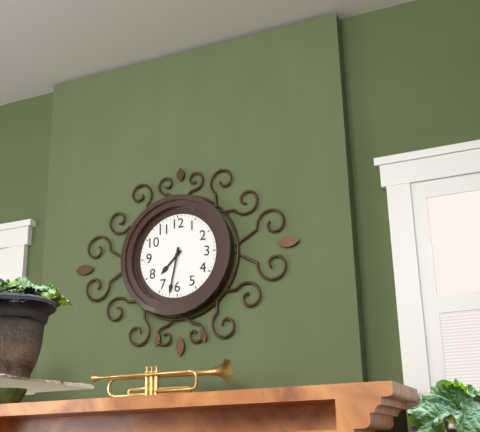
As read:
7,32
